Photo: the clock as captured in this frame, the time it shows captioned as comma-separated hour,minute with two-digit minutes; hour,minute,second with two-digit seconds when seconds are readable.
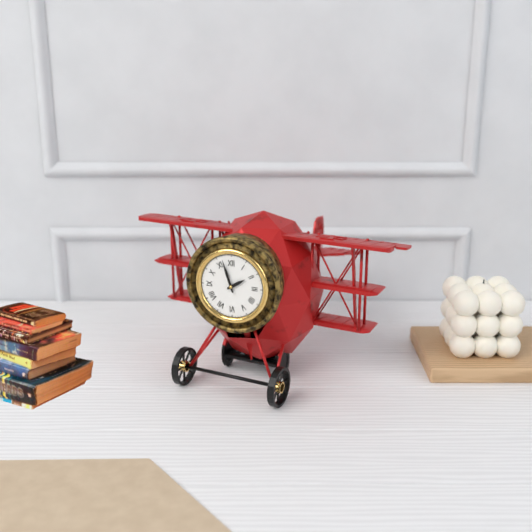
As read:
1,57
